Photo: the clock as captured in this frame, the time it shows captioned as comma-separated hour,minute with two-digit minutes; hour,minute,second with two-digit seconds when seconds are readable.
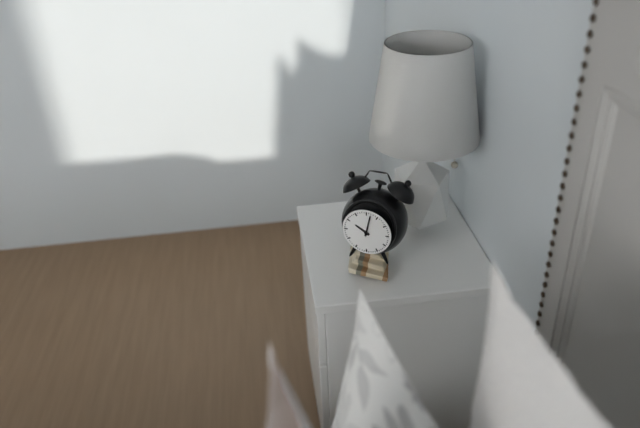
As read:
10,02
